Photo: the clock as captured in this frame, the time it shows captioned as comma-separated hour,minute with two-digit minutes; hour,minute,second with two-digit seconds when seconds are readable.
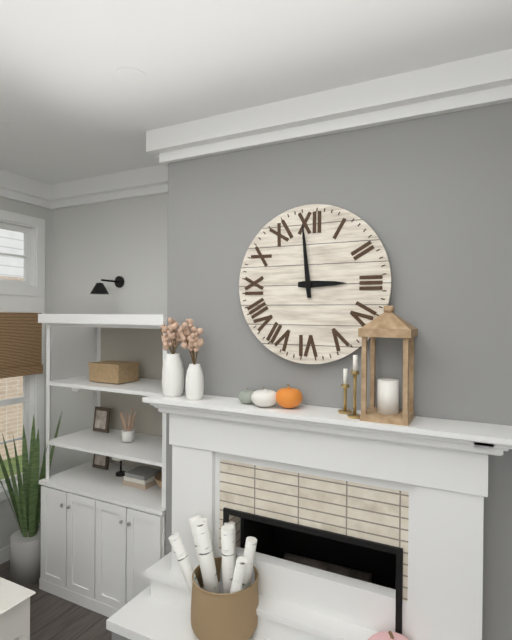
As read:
2,59
